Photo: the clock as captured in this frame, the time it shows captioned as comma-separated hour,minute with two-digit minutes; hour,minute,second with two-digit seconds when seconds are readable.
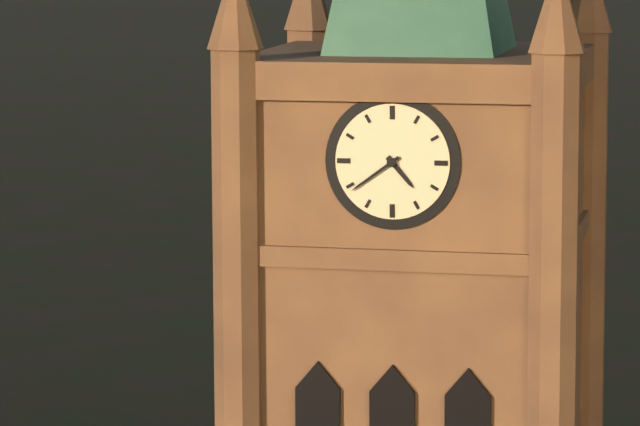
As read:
4,39
